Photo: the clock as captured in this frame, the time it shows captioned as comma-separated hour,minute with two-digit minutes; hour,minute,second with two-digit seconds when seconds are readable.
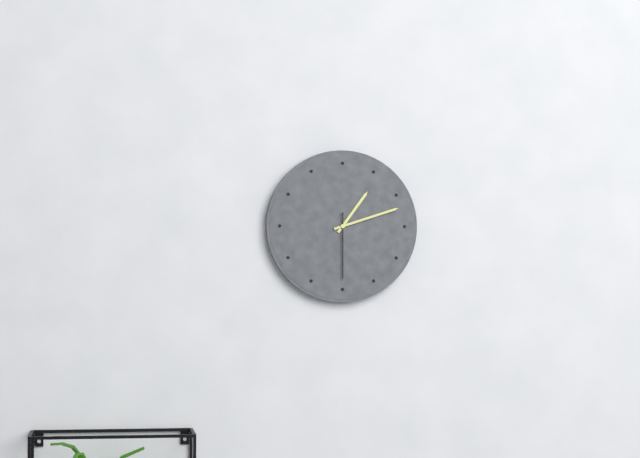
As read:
1,12,30
